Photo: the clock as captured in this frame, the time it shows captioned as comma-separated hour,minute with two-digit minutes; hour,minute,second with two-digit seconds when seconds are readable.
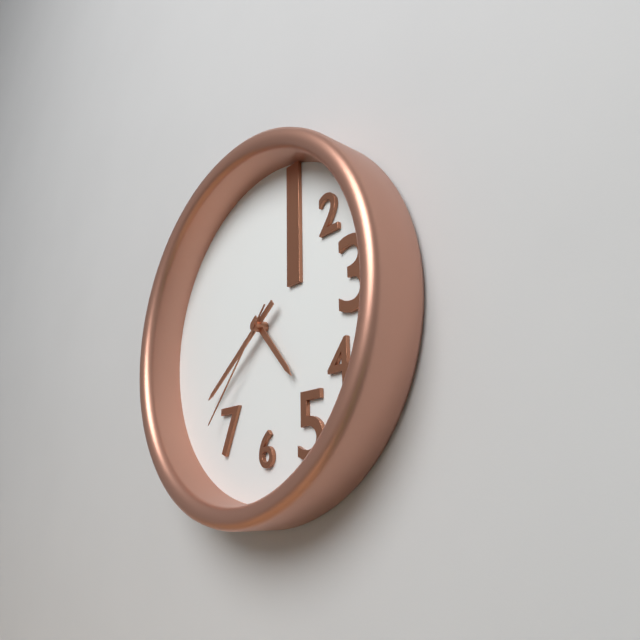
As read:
4,39,37
